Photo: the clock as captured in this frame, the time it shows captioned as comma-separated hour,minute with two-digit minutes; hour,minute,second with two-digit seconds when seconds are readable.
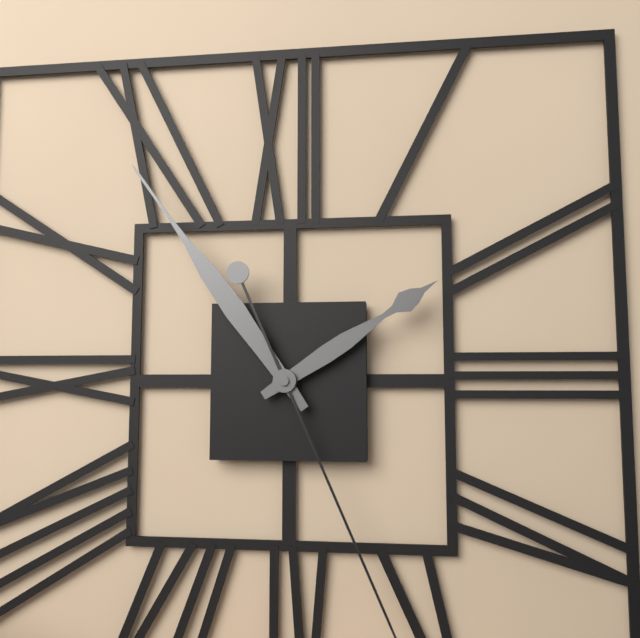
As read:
1,54
